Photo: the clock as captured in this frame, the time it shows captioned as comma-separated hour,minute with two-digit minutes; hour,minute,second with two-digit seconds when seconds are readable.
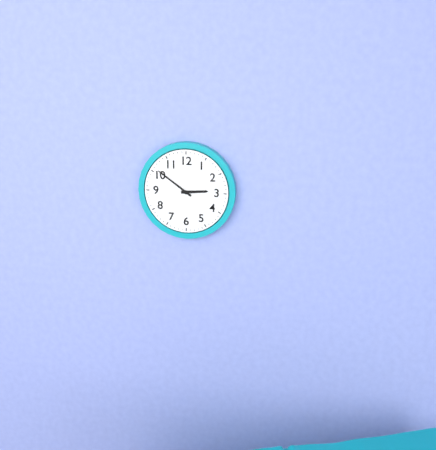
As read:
2,51
